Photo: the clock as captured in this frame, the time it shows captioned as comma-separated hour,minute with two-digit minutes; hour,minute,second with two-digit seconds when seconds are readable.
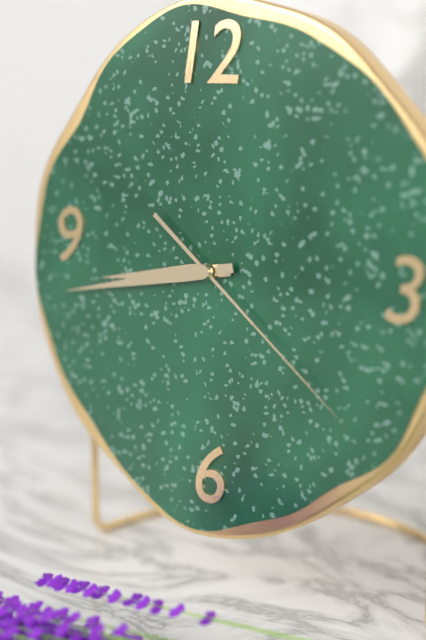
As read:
8,43,21
